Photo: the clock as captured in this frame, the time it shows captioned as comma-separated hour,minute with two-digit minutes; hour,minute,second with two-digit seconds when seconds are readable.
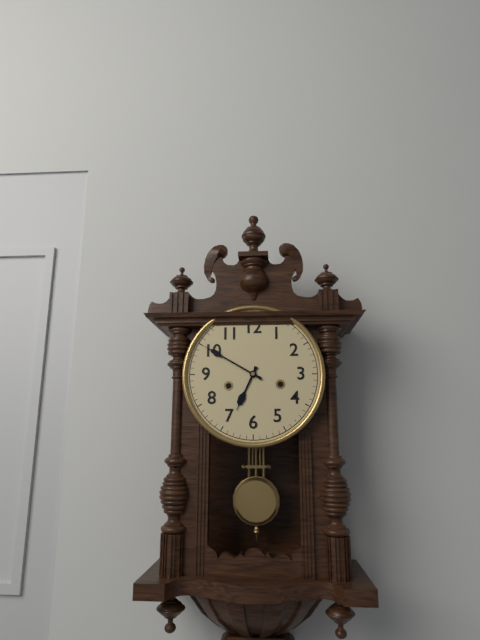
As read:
6,50
